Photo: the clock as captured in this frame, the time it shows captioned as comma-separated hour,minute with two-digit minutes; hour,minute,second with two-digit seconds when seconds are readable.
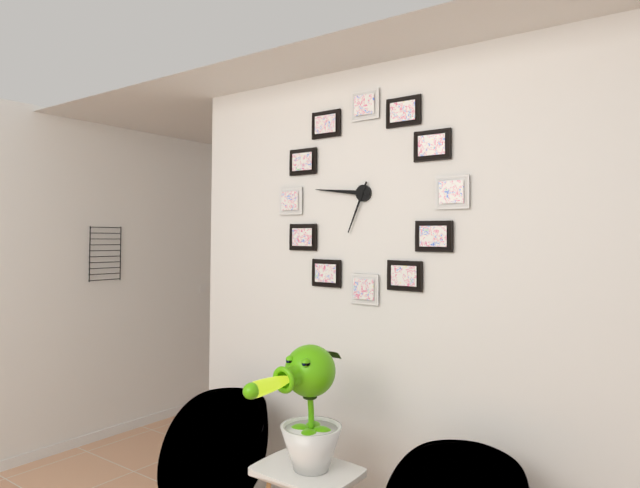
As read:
6,46
